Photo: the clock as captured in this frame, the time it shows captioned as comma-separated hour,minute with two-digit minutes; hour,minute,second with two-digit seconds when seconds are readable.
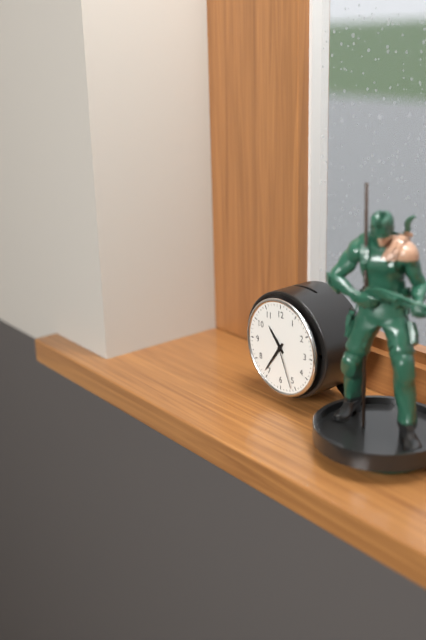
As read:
10,36,26
